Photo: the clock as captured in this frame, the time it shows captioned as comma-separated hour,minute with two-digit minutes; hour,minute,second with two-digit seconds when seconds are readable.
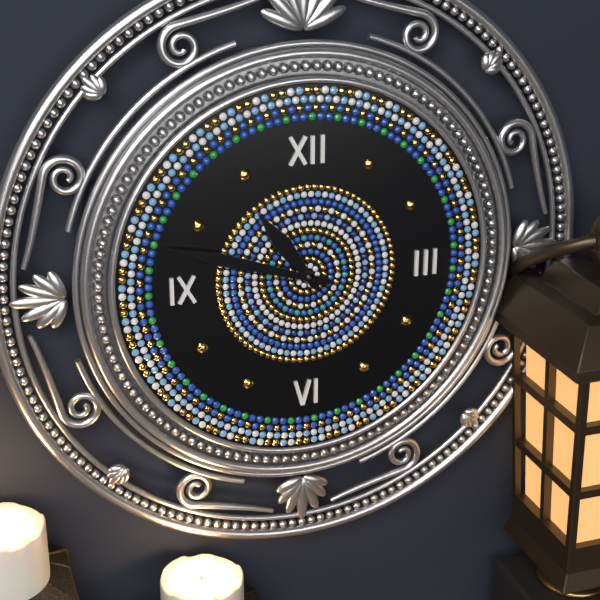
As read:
10,48
